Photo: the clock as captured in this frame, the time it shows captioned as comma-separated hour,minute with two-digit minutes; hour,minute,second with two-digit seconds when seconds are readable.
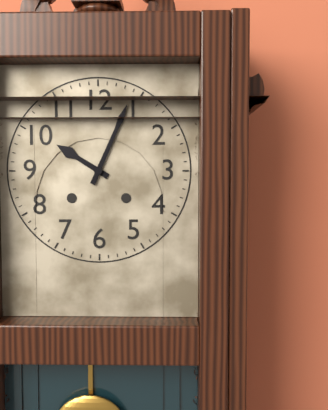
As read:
10,04
